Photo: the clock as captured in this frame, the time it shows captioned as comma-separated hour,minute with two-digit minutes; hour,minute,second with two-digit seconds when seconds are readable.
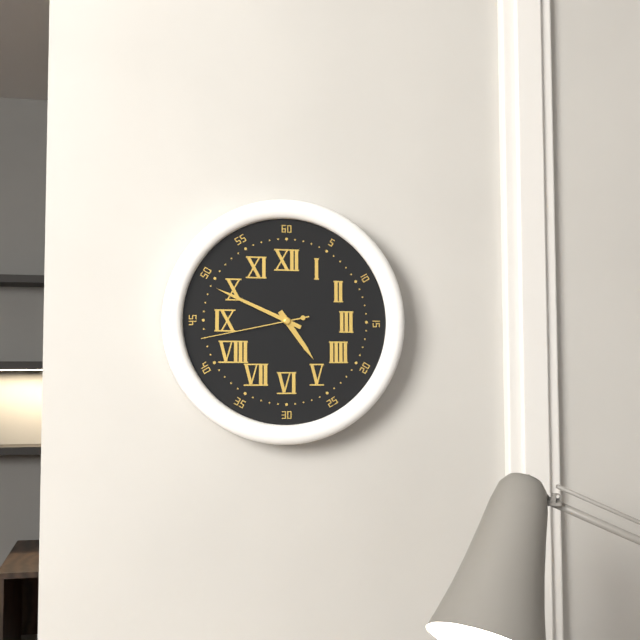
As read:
4,49,43
